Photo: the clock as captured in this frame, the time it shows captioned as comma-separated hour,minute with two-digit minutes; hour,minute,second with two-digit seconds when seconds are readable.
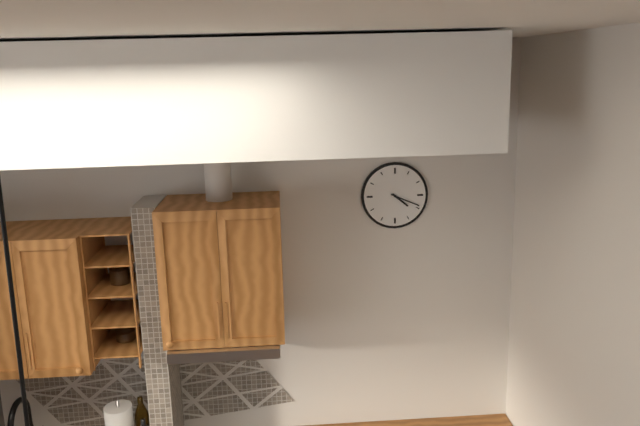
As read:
4,19
